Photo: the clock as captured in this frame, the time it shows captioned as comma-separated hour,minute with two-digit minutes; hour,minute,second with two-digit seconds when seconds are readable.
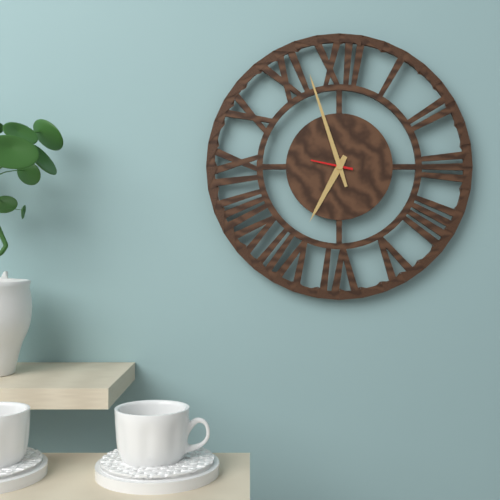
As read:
6,57
